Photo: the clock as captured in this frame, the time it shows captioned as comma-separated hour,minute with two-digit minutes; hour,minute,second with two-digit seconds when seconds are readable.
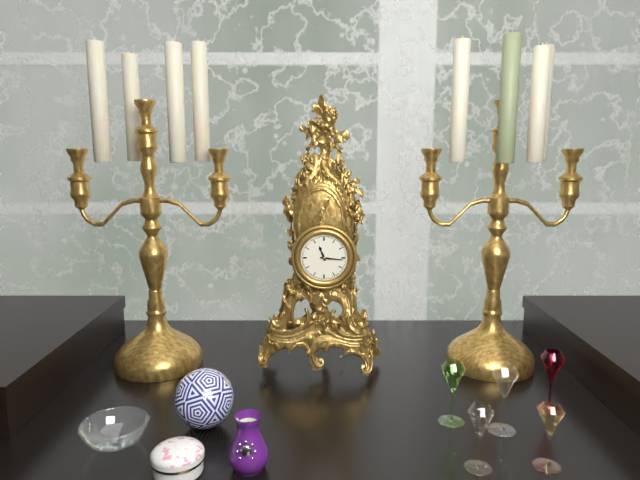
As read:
11,16
